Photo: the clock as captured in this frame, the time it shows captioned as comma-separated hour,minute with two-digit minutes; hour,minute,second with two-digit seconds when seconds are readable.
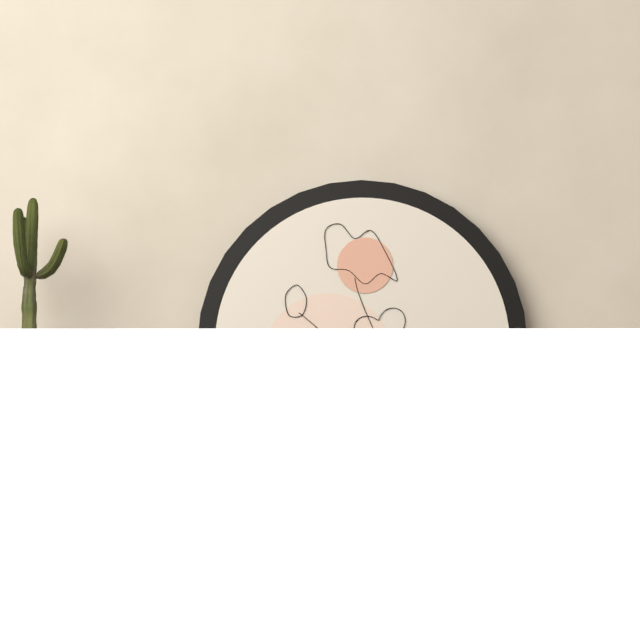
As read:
5,14
